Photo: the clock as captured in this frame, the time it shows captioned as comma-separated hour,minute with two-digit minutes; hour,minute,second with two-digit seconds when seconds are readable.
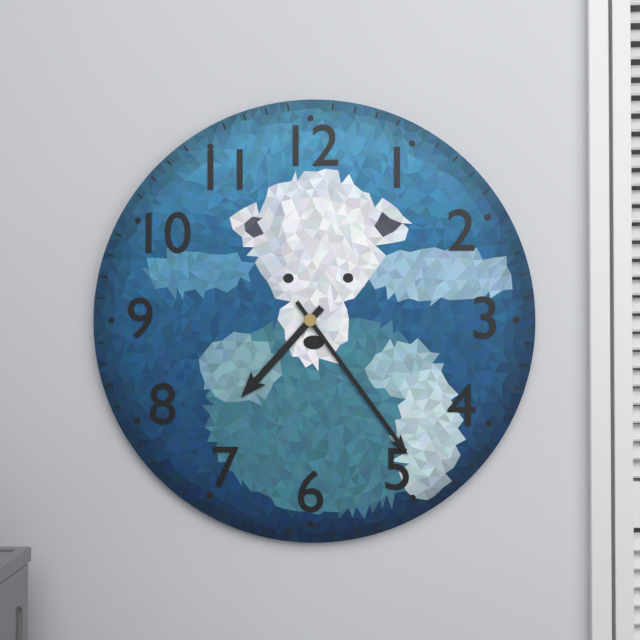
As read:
7,24
